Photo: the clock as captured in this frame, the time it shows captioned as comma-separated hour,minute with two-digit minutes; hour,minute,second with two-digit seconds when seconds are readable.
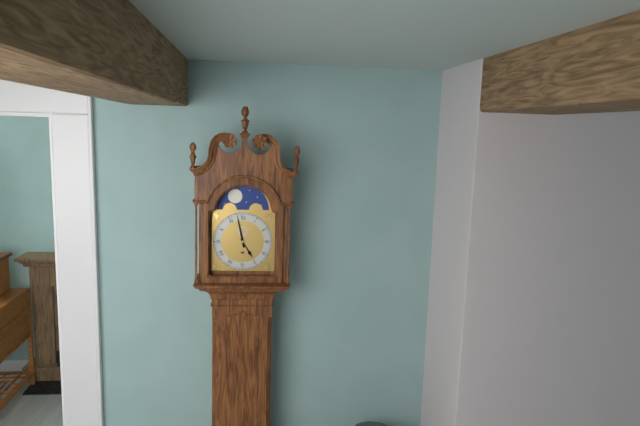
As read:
4,58
